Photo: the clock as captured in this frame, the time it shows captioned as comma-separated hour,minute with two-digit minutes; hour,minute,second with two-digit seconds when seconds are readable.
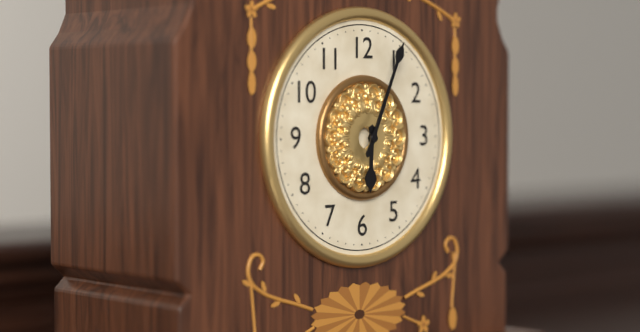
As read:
6,04
